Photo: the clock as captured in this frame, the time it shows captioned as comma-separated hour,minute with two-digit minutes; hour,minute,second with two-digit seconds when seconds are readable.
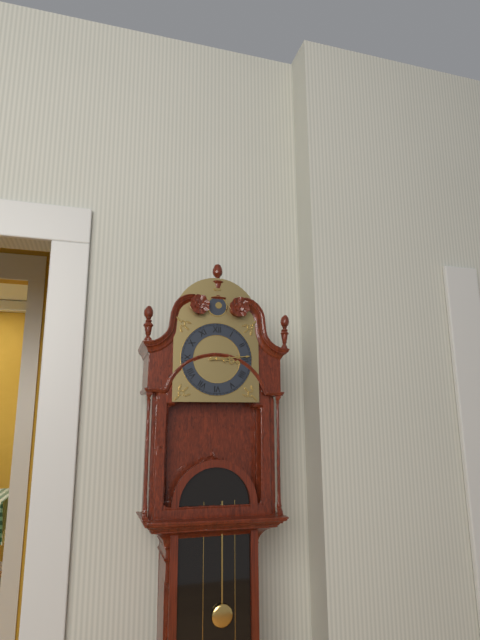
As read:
3,14
